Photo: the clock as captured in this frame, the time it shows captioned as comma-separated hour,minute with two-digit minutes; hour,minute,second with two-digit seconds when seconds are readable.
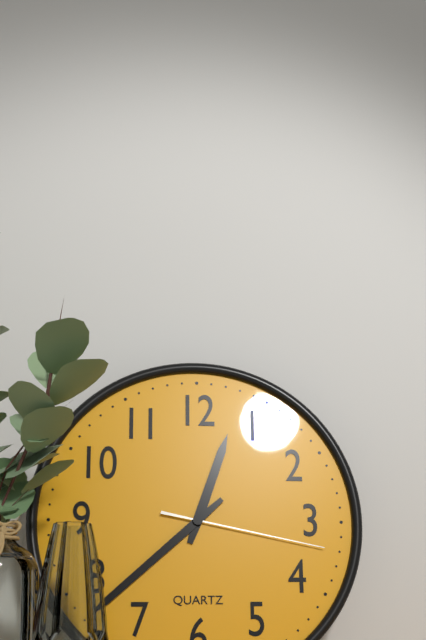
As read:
12,38,17
